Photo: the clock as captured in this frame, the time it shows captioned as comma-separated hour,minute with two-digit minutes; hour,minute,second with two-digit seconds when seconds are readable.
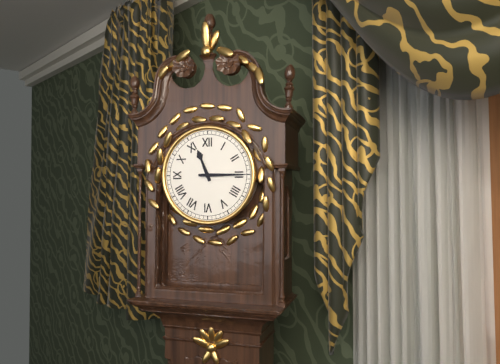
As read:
11,15
